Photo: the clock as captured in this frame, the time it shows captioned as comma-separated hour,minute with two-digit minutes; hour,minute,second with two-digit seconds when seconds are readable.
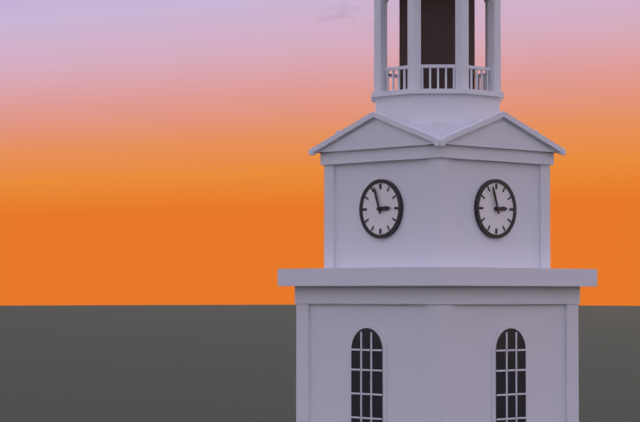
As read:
2,57
